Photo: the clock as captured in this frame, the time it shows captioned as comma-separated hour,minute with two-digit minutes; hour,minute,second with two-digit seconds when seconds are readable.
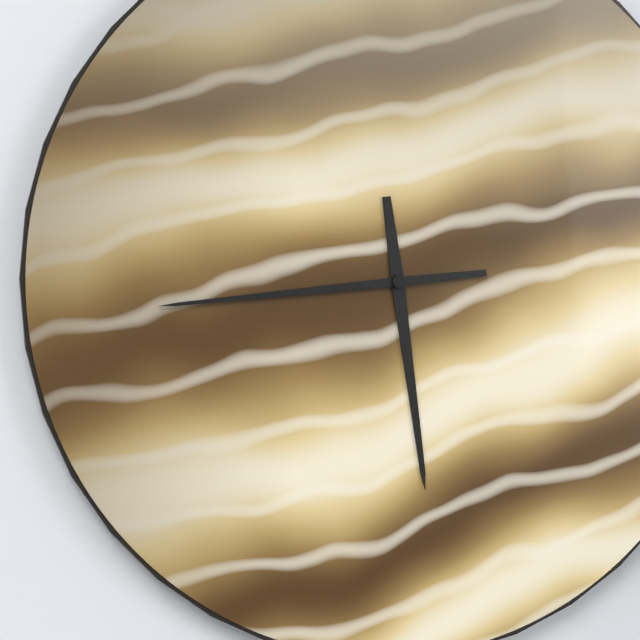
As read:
5,44
